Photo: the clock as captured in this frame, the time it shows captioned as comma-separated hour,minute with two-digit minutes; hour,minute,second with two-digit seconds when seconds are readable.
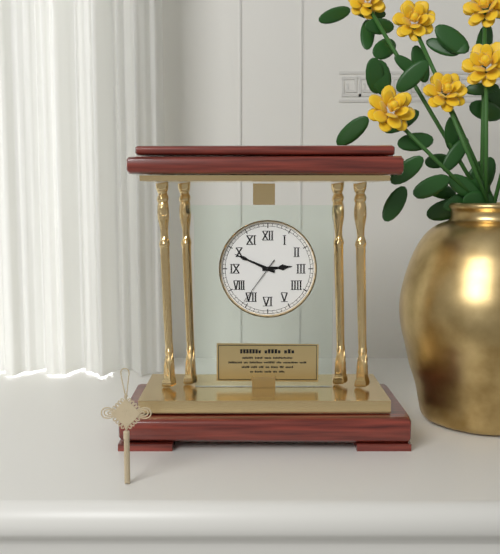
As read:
2,49,36
